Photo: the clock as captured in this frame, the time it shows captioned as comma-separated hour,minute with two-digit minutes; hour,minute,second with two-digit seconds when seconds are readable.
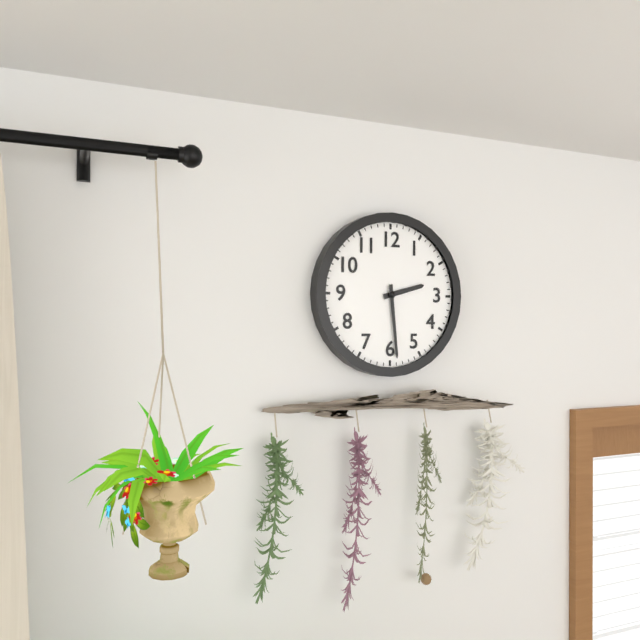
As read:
2,29
